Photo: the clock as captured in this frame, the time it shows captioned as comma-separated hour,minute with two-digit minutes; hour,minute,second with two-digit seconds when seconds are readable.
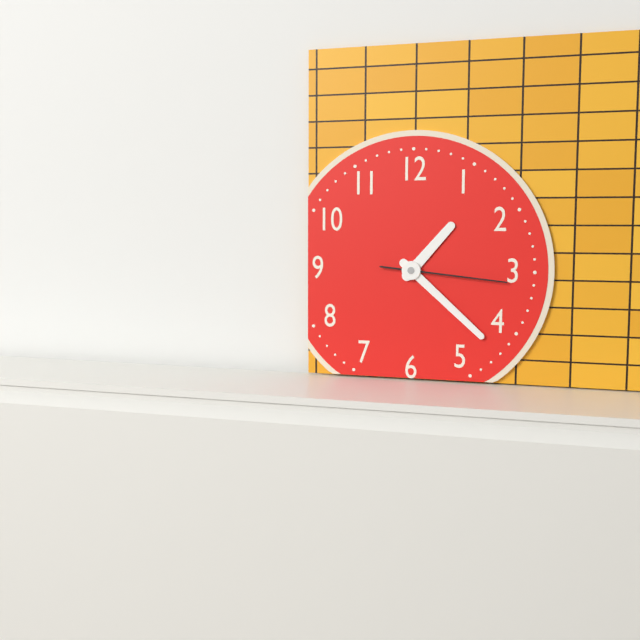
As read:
1,22,16
